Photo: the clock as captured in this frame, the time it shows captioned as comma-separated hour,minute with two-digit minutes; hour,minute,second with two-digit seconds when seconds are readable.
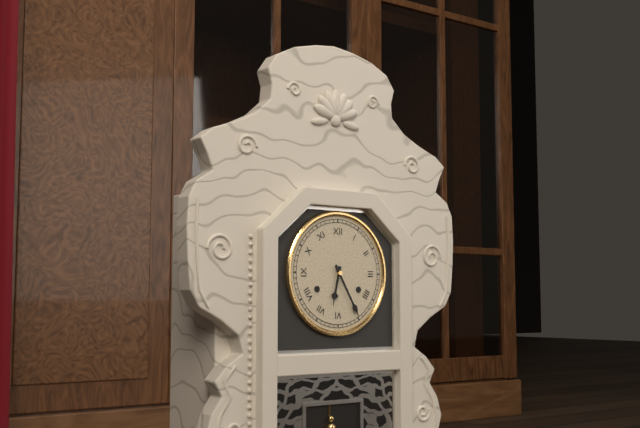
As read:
6,25
